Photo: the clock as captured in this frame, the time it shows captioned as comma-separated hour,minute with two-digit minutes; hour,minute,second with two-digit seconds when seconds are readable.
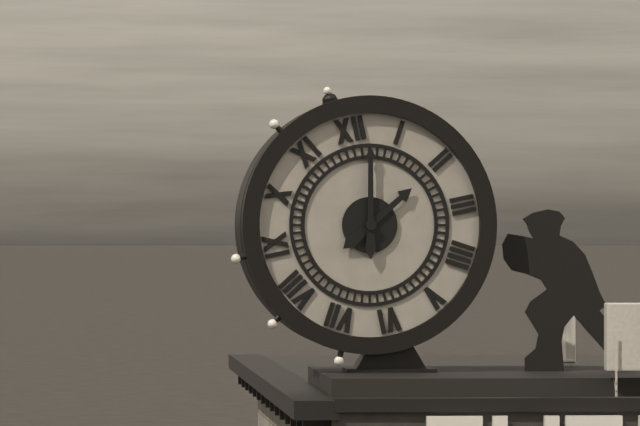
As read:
2,02
